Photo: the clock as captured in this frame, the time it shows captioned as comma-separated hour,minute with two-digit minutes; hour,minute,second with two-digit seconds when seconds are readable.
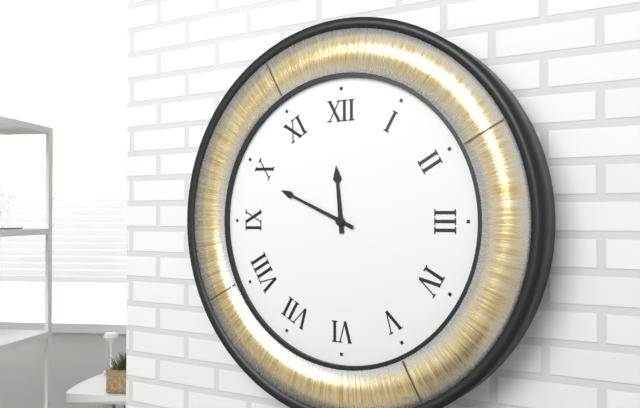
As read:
11,49
